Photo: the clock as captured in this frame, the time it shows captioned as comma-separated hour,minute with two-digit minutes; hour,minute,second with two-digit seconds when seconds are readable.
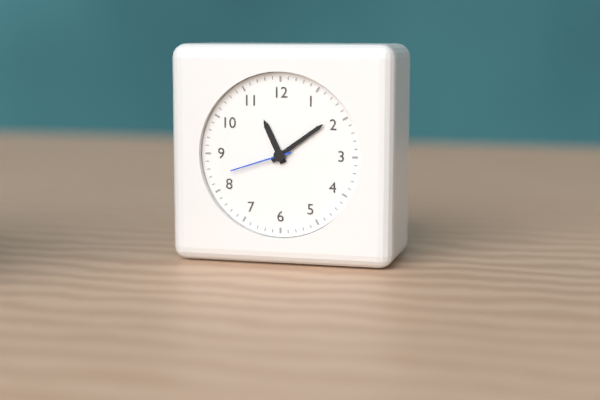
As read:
11,09,42
